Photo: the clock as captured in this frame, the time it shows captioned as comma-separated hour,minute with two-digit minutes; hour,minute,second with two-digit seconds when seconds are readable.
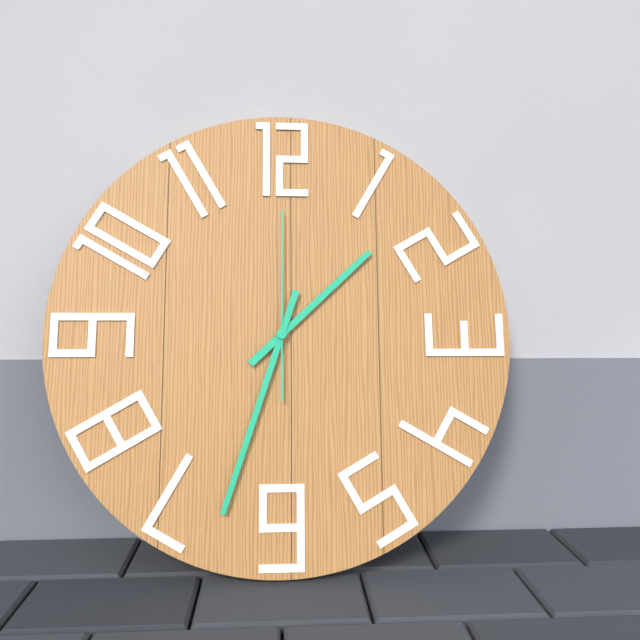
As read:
1,33,00
